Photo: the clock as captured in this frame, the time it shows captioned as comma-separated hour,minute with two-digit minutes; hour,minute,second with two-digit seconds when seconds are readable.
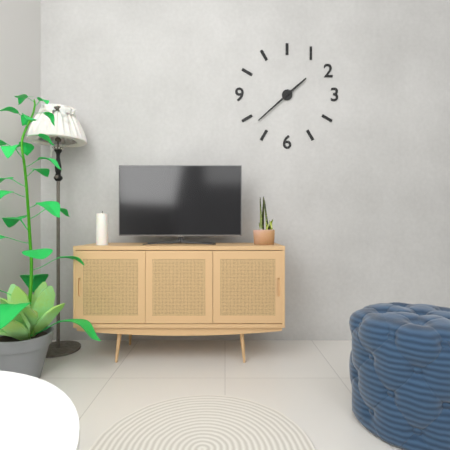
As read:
1,38
